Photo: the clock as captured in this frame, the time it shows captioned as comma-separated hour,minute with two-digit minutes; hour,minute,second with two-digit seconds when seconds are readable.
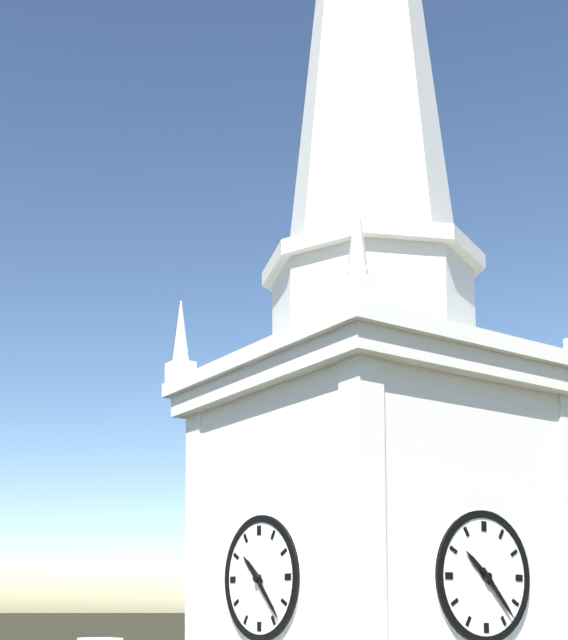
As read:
10,23
